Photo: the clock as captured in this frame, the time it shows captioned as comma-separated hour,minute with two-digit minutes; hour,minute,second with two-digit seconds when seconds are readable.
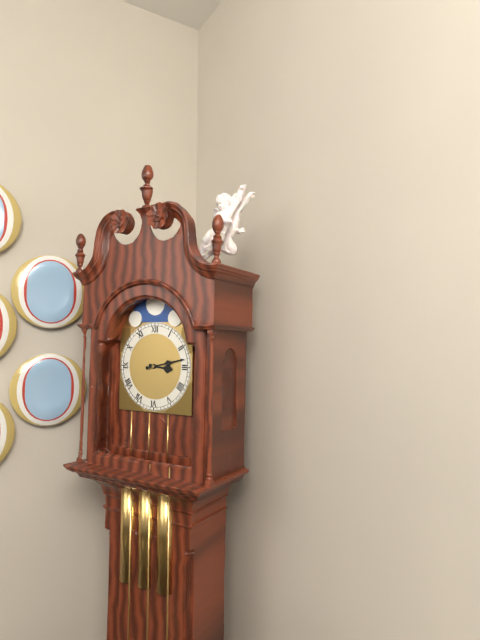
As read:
3,13
